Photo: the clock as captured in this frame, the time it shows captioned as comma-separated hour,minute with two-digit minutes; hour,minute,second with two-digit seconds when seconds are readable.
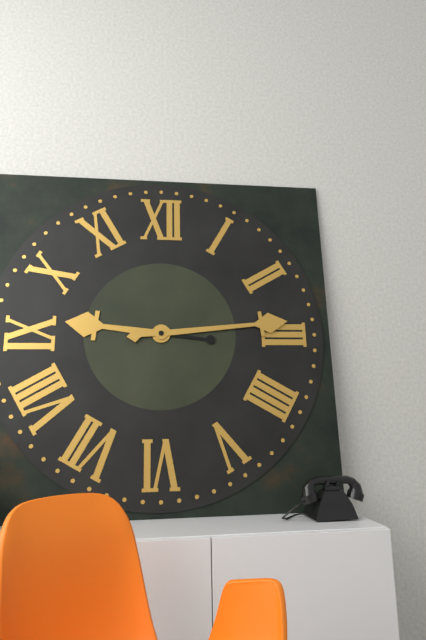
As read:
9,14
